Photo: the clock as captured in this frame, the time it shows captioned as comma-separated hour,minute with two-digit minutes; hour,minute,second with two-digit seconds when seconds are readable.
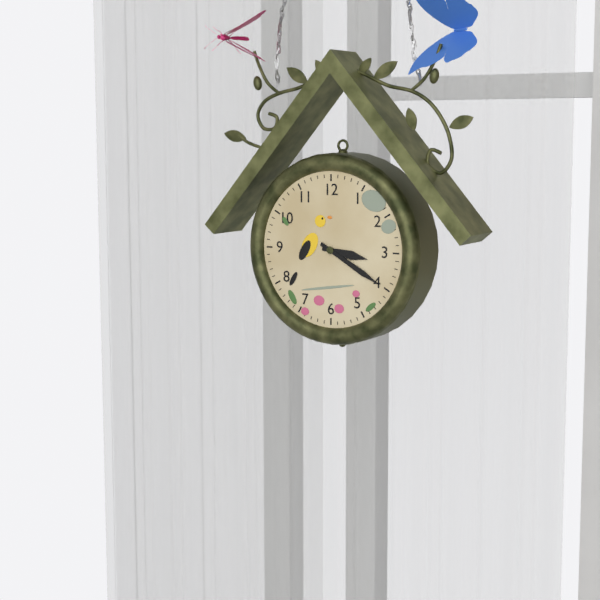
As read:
3,20
